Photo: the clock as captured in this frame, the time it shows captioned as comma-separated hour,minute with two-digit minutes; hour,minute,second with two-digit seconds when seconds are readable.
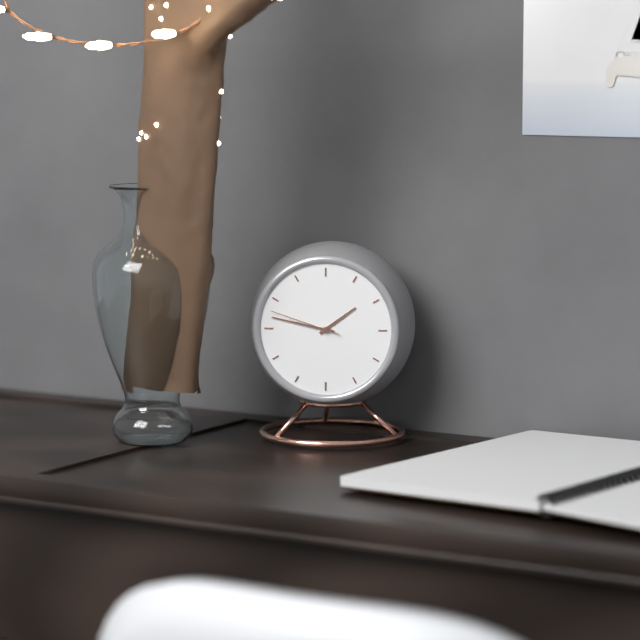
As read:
1,47,48
